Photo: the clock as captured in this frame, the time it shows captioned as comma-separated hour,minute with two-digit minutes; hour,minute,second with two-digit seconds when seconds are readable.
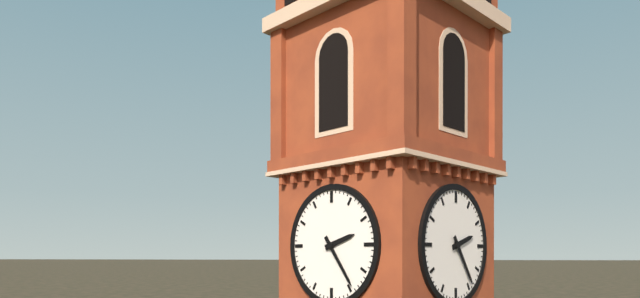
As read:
2,24
